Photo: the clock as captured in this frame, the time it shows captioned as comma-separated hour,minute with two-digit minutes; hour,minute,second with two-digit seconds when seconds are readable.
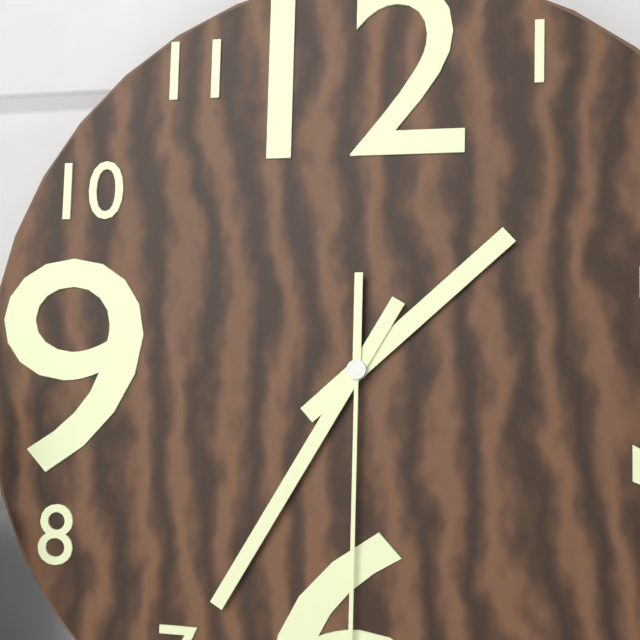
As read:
1,35
